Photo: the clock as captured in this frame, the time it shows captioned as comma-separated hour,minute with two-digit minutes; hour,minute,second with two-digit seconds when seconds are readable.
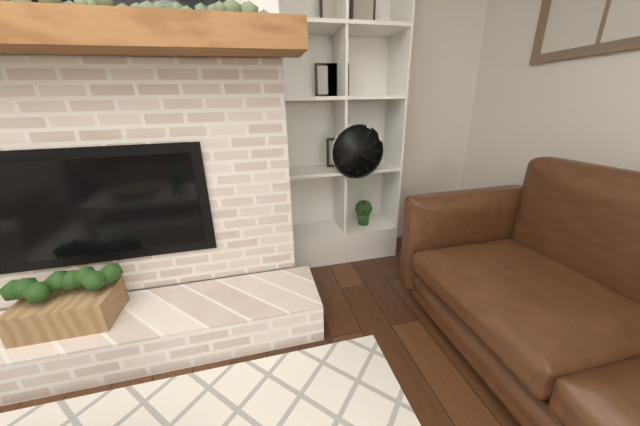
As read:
4,11
